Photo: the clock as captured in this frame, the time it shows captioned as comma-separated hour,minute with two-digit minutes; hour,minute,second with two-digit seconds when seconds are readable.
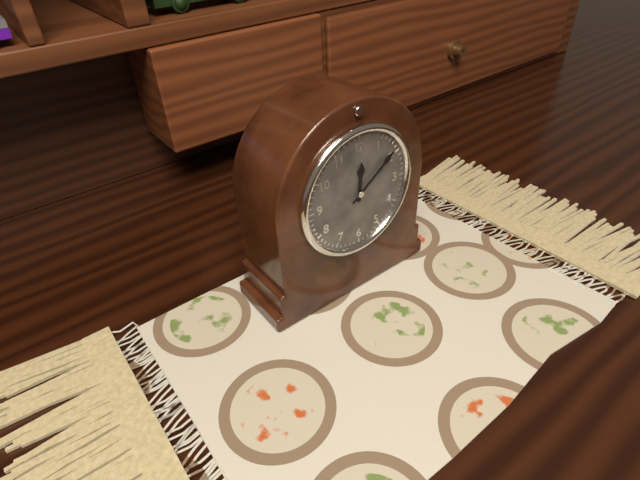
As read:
12,09
